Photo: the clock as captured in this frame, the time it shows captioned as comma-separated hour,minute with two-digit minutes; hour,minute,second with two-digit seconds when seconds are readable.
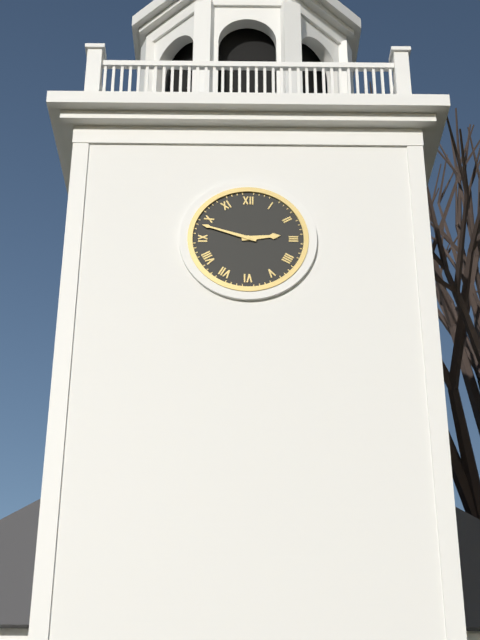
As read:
2,48
